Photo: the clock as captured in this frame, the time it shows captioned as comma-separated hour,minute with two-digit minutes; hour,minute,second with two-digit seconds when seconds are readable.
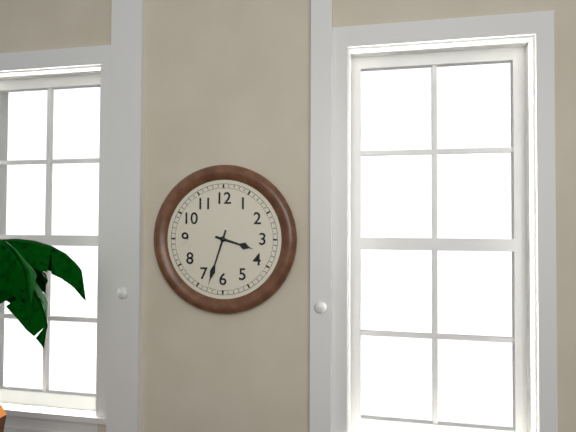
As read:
3,33
